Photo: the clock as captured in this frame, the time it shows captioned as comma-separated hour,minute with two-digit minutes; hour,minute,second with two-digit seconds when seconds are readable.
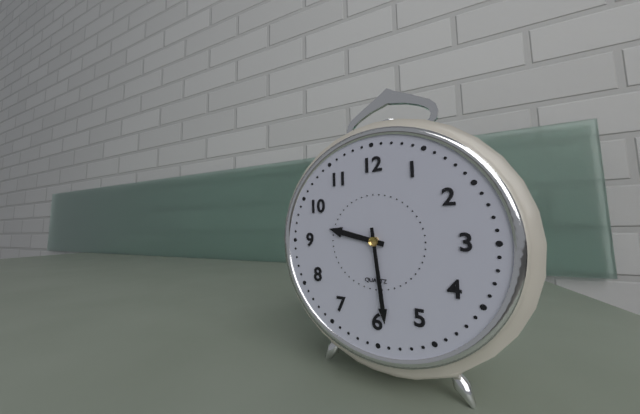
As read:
9,29
